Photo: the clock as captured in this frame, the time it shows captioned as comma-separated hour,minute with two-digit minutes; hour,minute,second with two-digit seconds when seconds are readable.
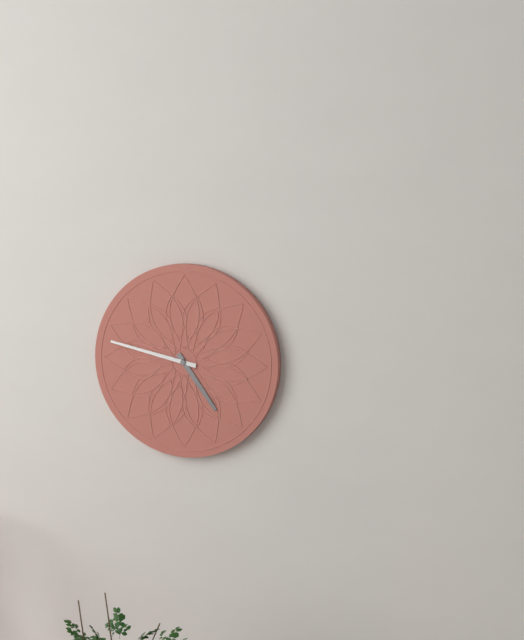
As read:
4,47
